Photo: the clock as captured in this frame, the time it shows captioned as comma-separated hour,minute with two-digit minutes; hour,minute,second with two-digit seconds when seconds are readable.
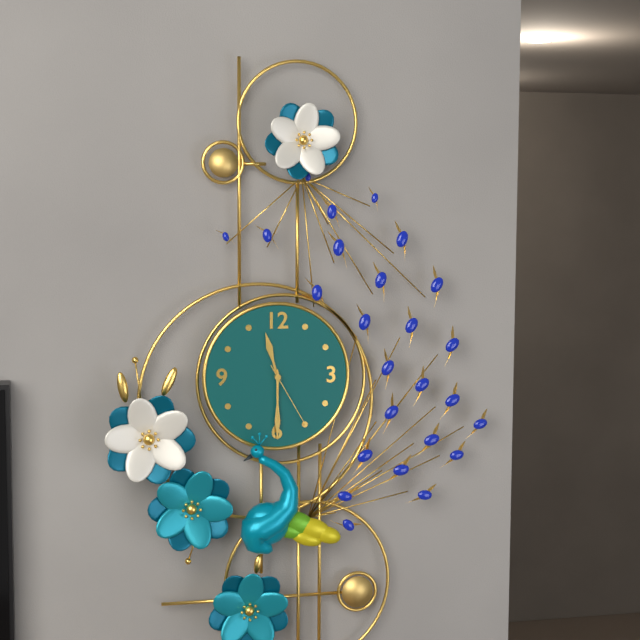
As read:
11,30,25
